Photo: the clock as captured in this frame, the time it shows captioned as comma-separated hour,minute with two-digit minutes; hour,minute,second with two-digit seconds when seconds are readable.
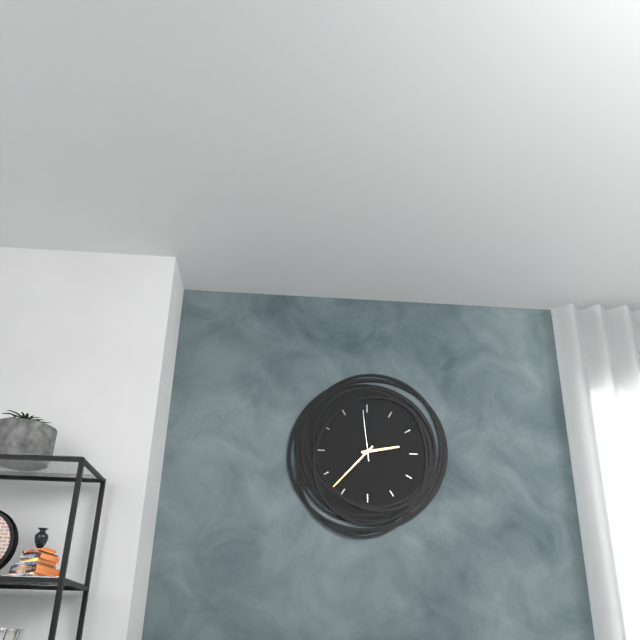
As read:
2,37,59
